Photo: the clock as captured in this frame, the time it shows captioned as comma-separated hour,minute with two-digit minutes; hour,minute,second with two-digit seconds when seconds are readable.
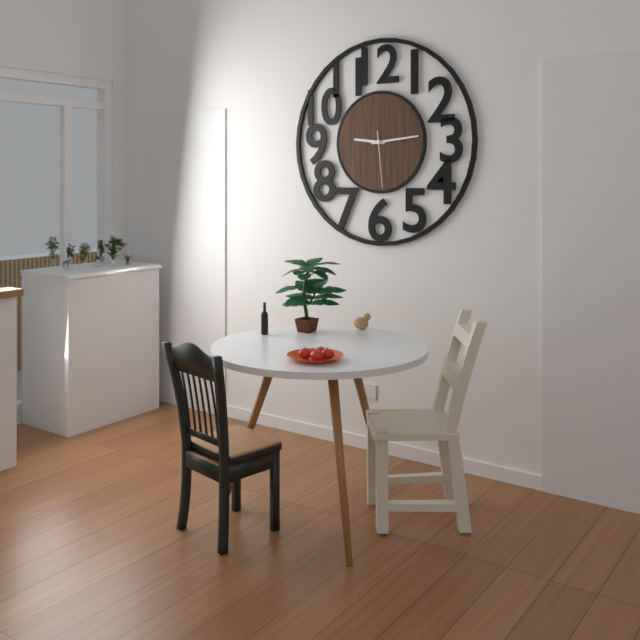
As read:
9,14,29
